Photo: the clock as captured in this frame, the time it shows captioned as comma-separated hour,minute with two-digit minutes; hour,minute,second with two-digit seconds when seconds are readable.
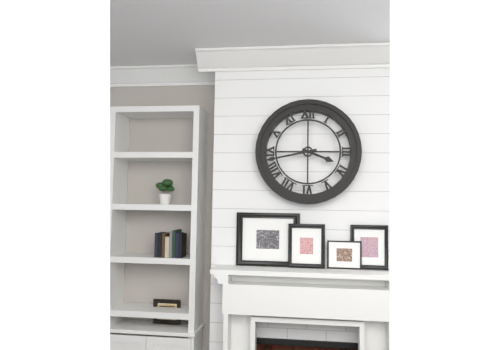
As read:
3,43
